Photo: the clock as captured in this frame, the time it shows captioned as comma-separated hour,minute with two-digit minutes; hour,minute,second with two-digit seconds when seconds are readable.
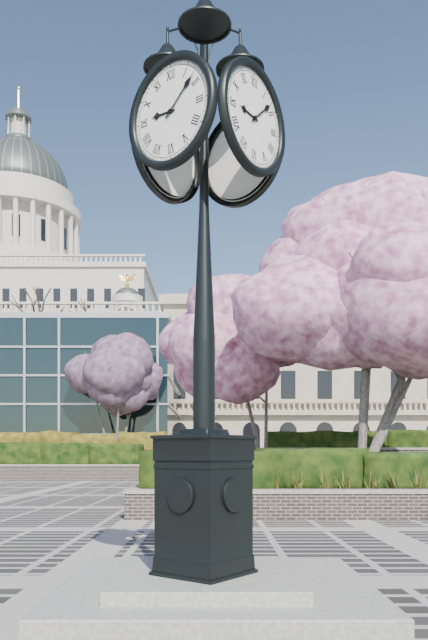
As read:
9,08
